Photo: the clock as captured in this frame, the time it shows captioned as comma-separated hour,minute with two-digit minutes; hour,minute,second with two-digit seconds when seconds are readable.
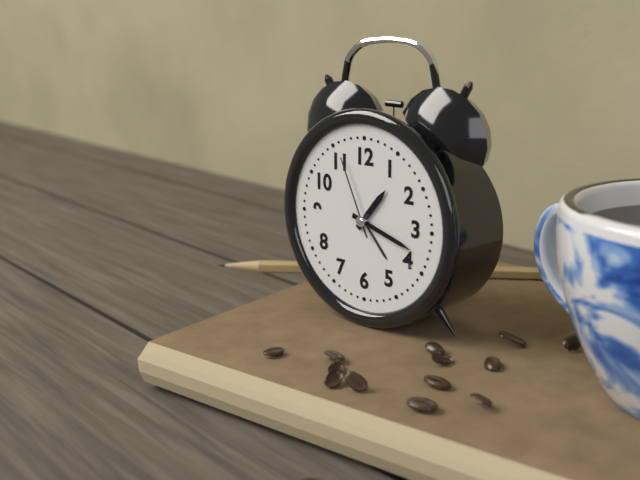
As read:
1,18,56
